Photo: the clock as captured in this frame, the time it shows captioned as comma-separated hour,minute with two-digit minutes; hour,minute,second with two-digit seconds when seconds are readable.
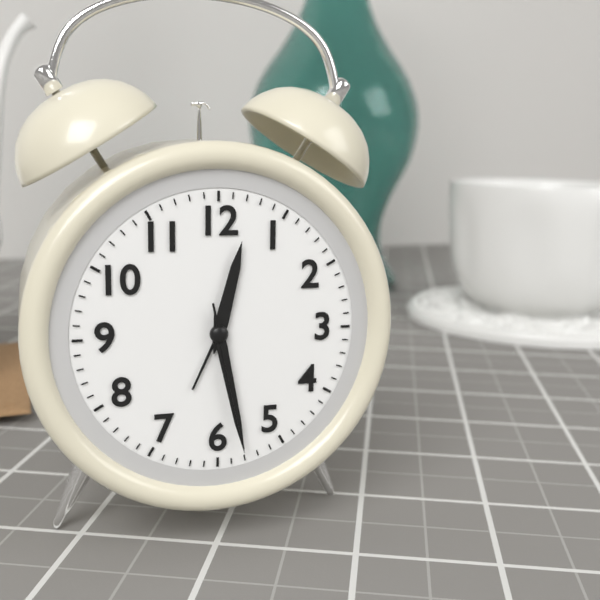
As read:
12,28,28
